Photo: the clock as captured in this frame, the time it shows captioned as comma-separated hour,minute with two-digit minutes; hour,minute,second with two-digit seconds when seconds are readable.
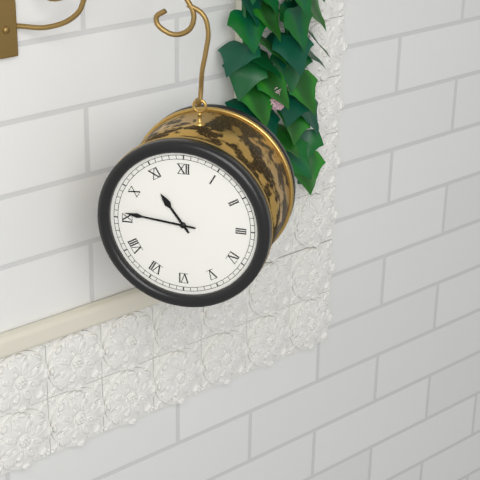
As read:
10,46
